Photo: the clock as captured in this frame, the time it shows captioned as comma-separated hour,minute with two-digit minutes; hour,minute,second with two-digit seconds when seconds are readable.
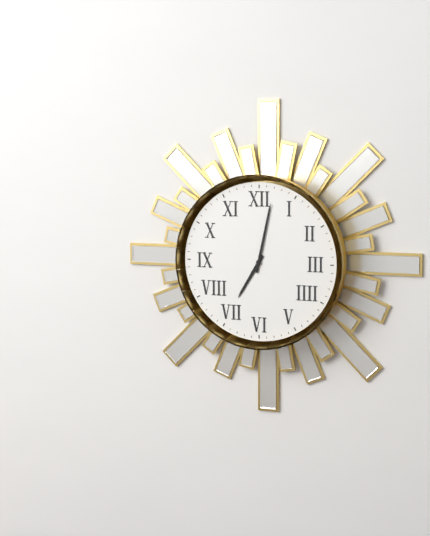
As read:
7,02
